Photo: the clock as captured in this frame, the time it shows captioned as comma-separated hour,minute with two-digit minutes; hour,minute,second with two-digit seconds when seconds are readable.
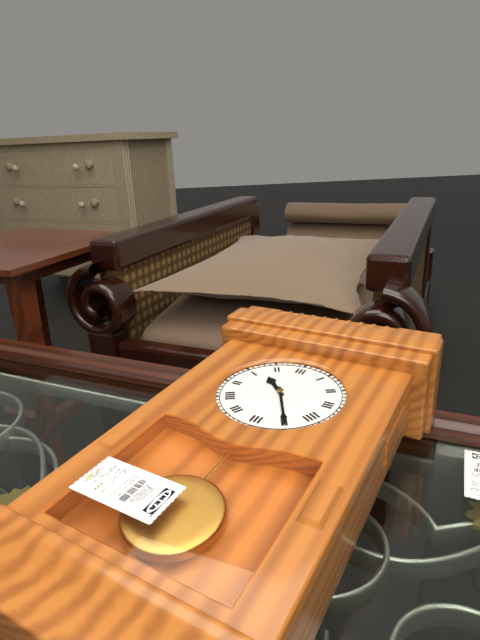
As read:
10,25
